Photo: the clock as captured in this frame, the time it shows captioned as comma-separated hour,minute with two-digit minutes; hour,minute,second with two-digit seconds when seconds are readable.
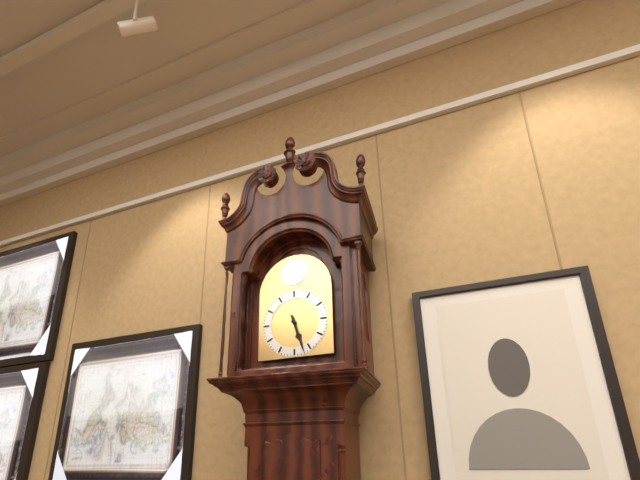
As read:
5,27
